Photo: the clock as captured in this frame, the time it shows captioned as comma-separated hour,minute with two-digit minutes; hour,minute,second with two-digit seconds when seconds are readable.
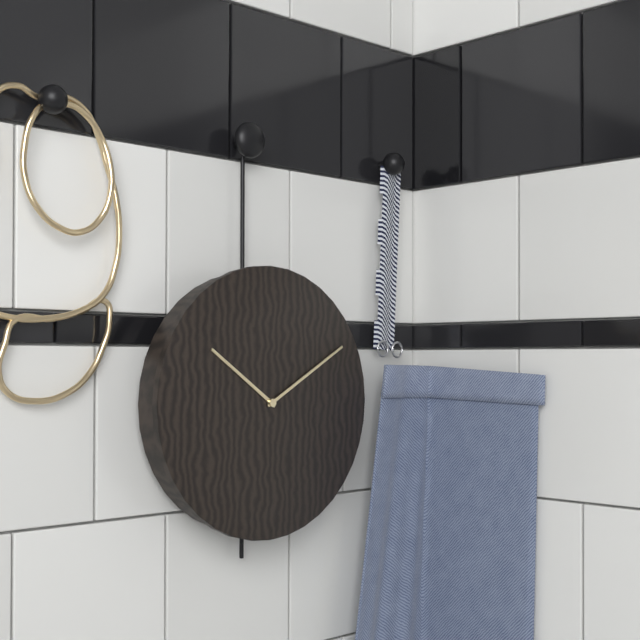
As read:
10,10
